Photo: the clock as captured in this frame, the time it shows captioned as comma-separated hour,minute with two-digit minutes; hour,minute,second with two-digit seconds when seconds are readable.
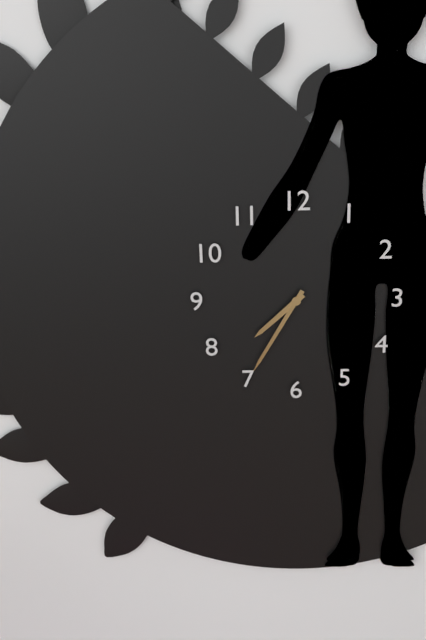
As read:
7,35
